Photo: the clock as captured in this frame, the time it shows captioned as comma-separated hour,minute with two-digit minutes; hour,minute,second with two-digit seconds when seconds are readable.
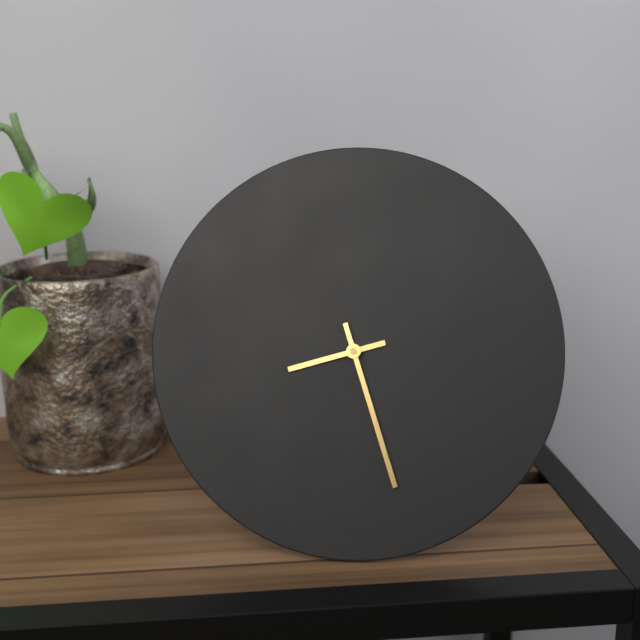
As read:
8,27
